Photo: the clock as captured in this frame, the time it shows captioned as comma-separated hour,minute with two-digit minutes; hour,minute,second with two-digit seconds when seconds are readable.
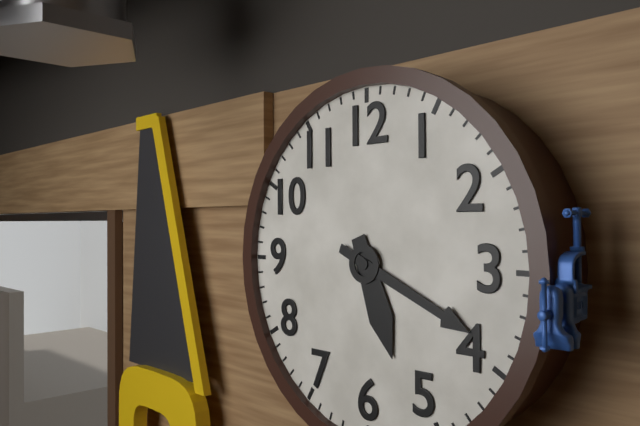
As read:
5,19
